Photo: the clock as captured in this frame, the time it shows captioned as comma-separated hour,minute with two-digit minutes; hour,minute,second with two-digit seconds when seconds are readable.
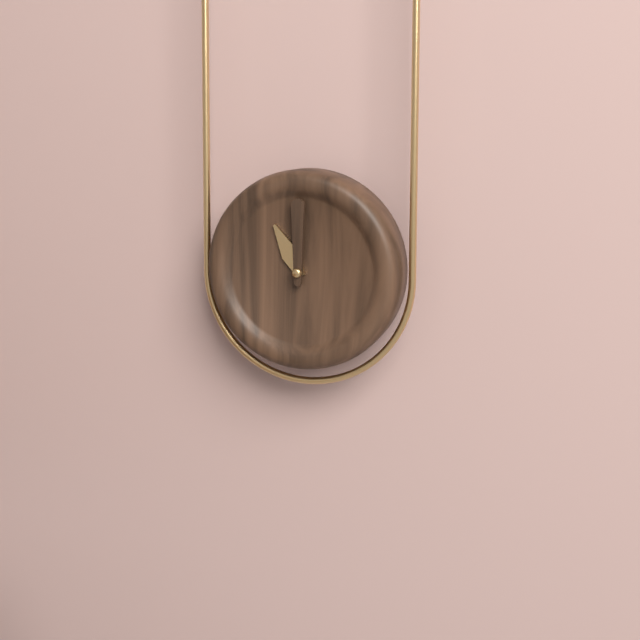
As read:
11,00
